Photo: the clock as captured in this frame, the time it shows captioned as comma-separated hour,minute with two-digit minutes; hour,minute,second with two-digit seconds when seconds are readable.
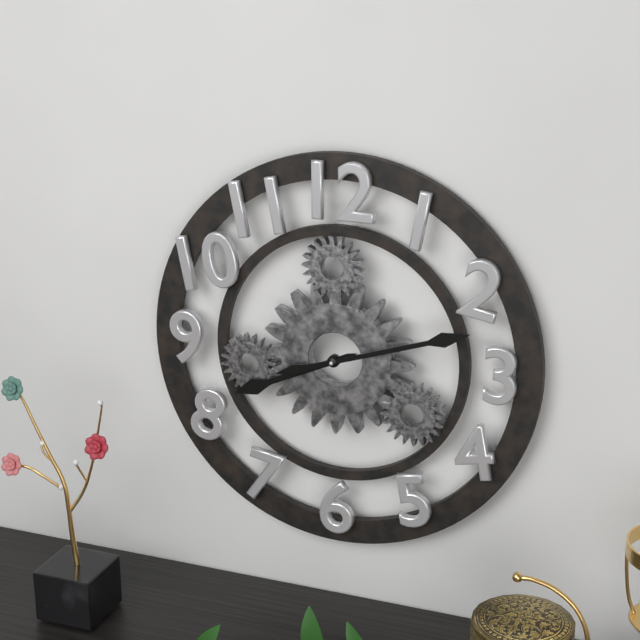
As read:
8,12
